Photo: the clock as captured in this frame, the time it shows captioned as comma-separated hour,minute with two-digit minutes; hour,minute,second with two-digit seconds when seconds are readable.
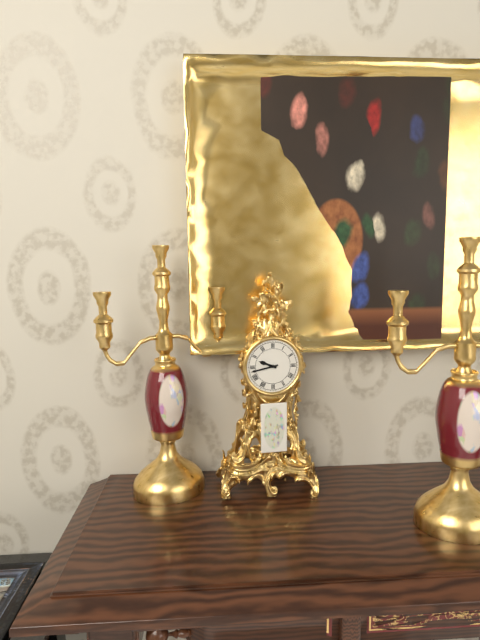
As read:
9,43
